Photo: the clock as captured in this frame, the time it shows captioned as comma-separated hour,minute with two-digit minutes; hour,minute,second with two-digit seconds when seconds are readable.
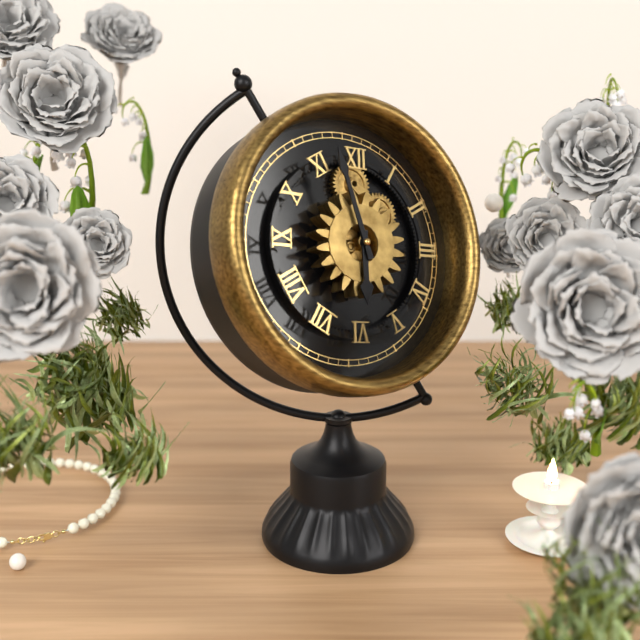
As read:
5,57
